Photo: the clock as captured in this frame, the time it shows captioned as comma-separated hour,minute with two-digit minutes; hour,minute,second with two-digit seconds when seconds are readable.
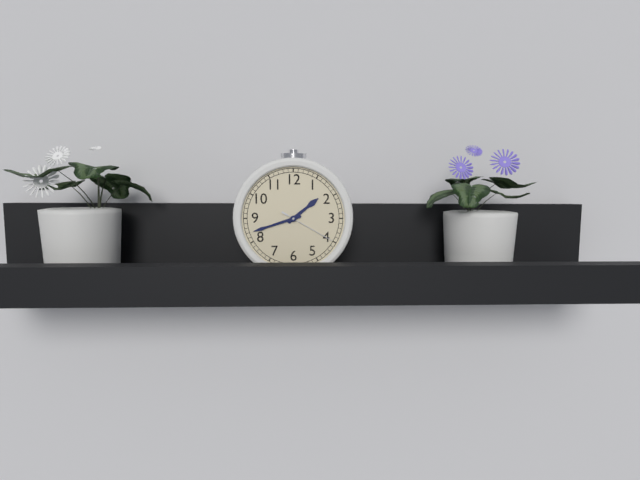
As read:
1,42,20
